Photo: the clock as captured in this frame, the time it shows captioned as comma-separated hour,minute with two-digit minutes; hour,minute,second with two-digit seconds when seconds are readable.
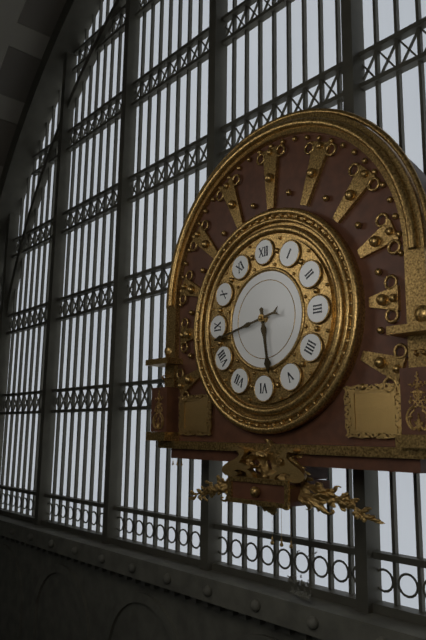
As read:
5,43
